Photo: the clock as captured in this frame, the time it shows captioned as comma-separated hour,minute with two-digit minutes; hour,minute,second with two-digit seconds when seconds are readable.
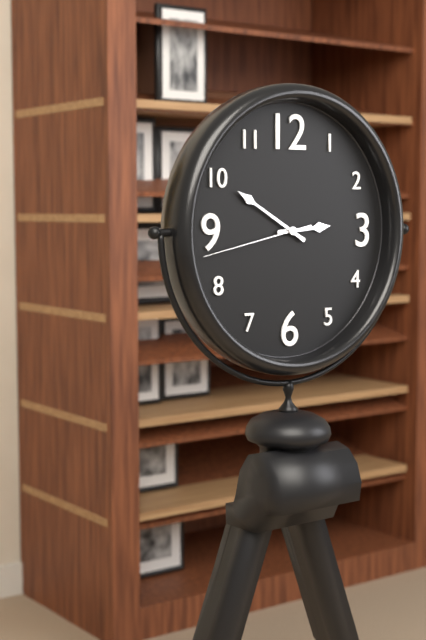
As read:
2,50,43
